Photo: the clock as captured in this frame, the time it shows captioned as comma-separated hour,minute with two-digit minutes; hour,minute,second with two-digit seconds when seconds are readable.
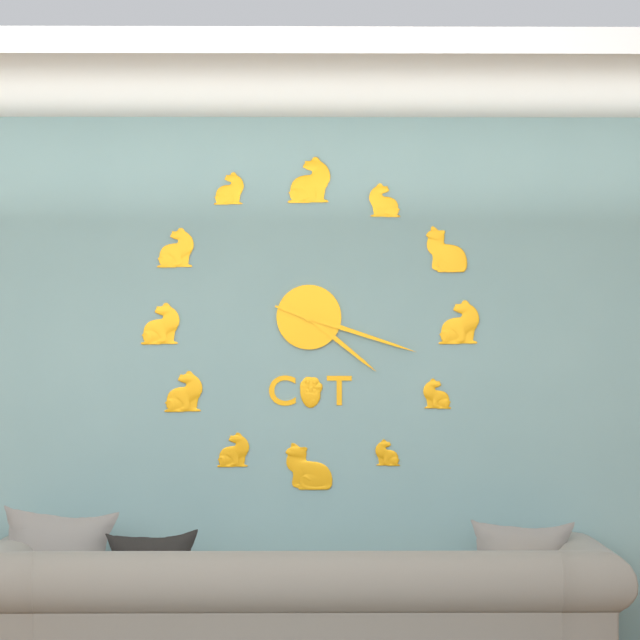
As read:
4,18
